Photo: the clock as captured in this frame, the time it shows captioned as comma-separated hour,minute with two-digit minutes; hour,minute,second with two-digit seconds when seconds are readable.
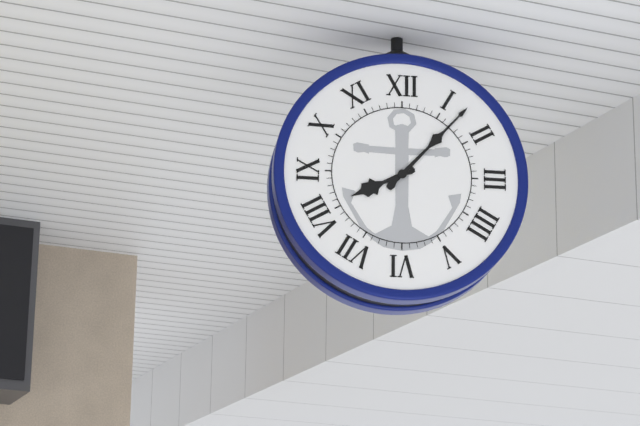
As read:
8,07
